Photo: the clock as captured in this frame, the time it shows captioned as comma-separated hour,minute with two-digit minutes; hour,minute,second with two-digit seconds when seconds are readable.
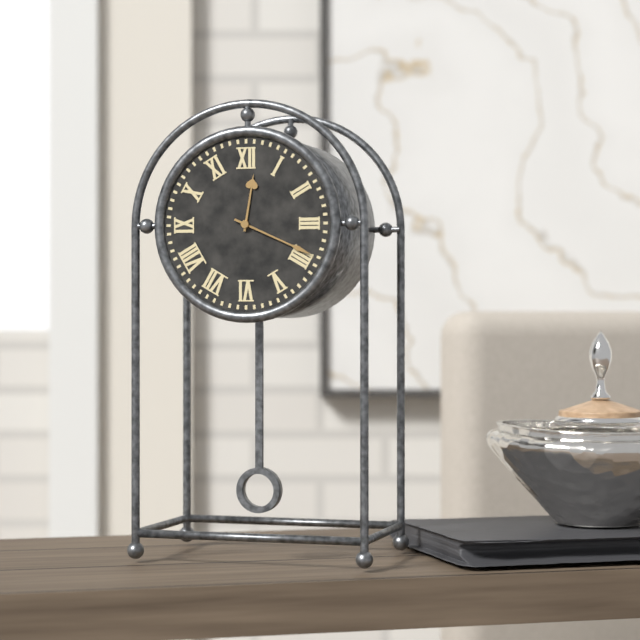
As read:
12,19
